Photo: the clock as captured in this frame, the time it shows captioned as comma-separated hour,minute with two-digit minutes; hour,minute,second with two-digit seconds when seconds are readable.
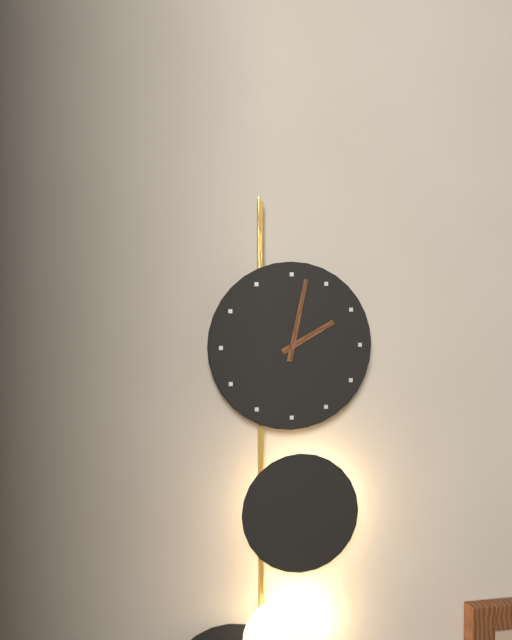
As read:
2,02
